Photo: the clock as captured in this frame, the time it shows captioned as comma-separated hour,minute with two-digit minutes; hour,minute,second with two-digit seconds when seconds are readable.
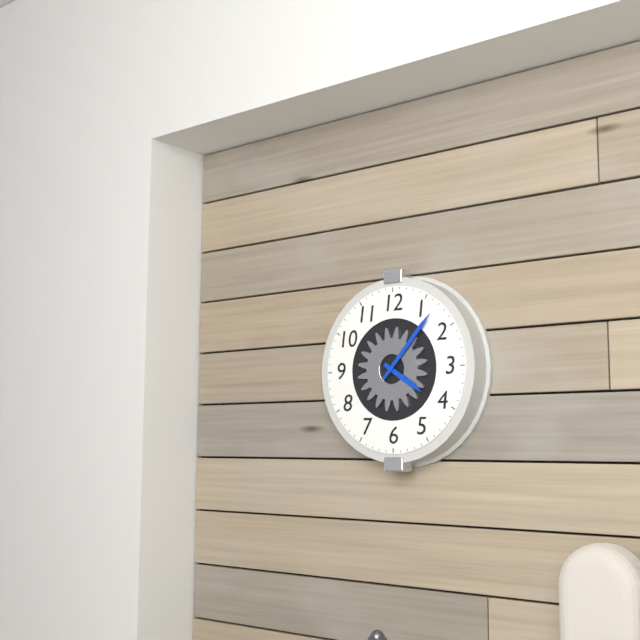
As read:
4,07
